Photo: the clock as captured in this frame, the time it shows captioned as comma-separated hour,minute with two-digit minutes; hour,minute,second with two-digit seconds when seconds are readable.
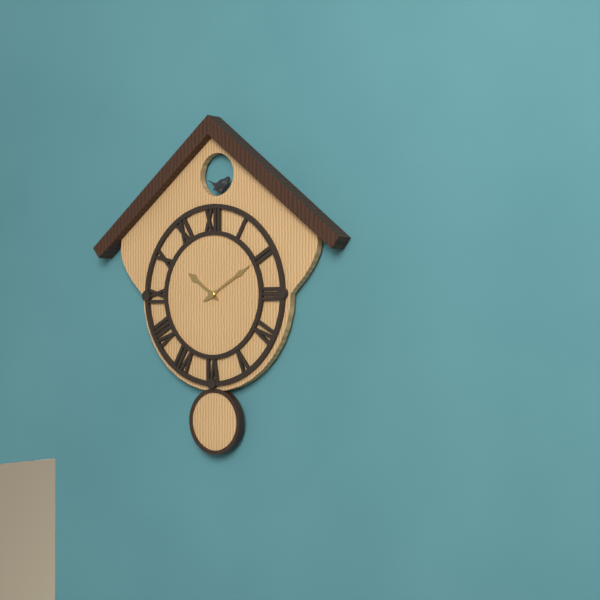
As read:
10,10
